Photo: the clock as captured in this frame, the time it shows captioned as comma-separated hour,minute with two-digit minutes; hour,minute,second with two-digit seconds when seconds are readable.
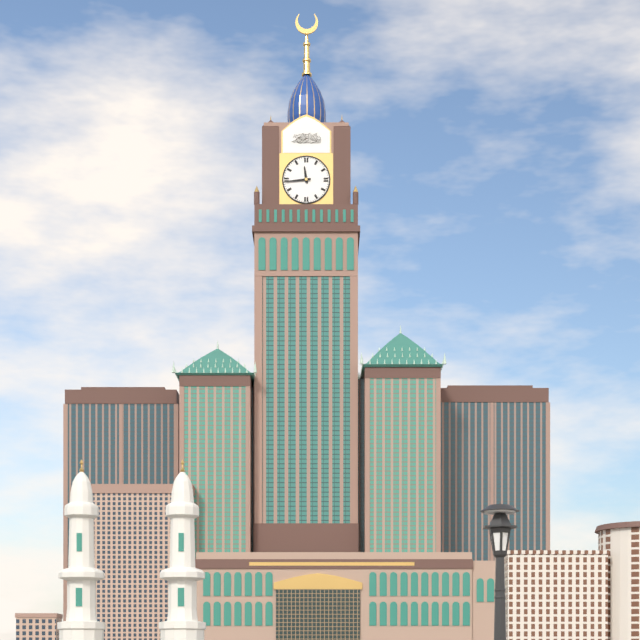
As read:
11,44
